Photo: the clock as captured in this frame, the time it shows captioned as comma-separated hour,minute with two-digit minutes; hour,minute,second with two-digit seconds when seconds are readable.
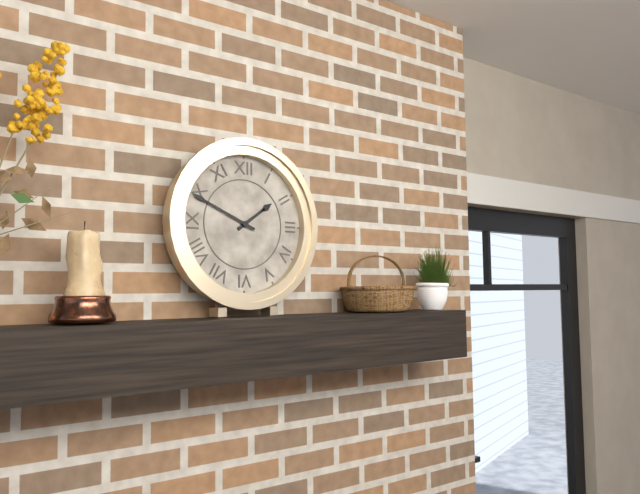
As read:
1,49
